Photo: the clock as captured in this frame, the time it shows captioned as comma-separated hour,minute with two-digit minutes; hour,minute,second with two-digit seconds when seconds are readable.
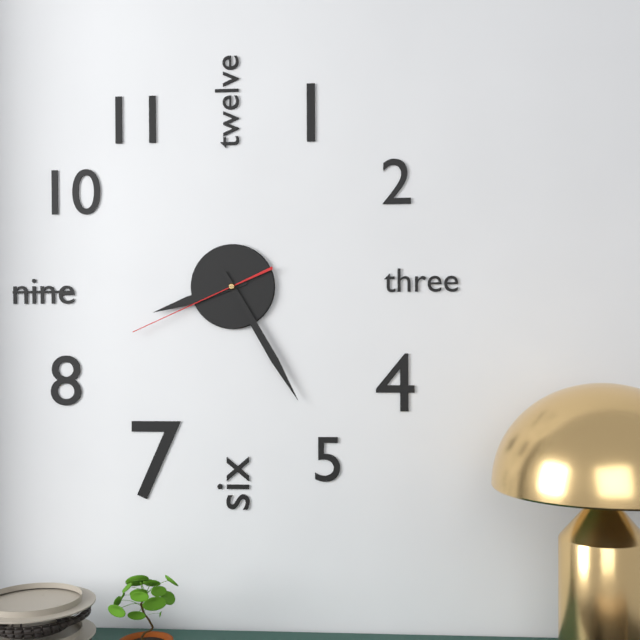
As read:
8,25,41
